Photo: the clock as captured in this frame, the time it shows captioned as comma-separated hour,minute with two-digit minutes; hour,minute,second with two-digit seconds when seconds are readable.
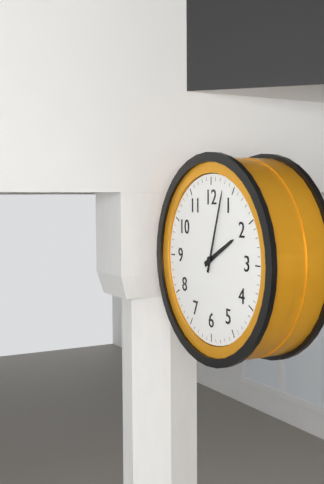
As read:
2,03
